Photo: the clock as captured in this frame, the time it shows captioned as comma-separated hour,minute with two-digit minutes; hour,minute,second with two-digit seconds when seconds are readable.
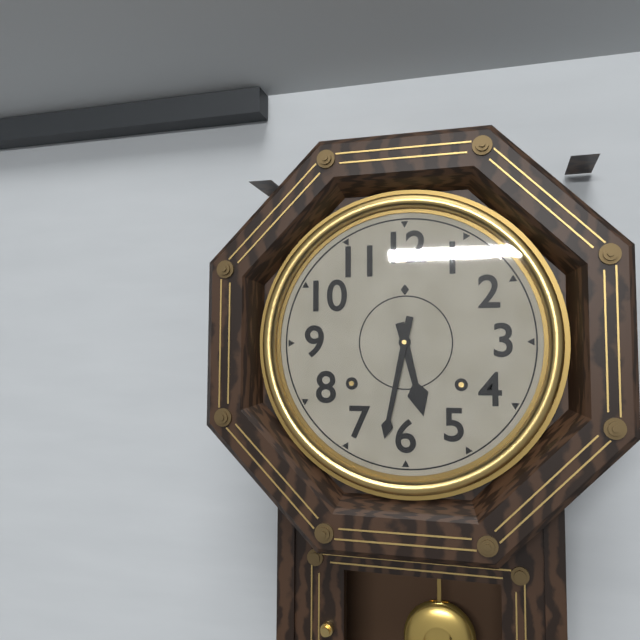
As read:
5,32
